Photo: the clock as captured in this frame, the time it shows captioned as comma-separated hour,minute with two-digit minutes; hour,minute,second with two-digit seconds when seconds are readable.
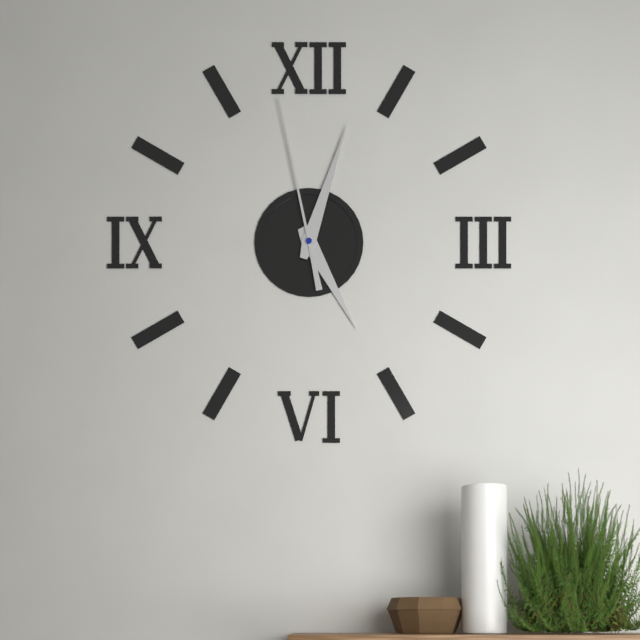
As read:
5,03,58
